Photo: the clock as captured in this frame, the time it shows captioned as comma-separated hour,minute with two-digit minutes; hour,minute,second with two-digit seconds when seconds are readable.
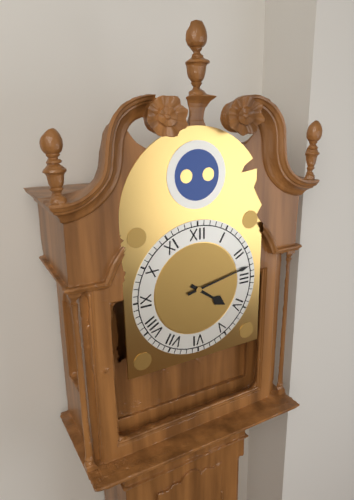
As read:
4,13
